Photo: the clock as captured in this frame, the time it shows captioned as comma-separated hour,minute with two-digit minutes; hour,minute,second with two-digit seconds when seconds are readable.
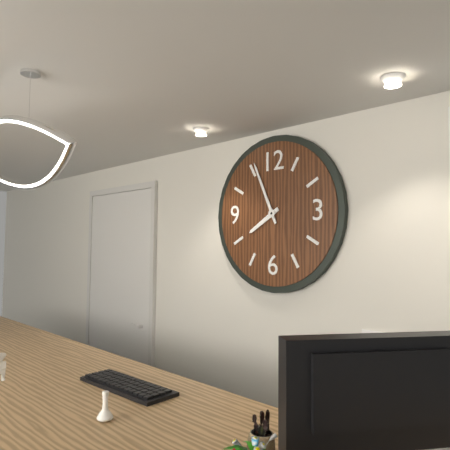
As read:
7,56
